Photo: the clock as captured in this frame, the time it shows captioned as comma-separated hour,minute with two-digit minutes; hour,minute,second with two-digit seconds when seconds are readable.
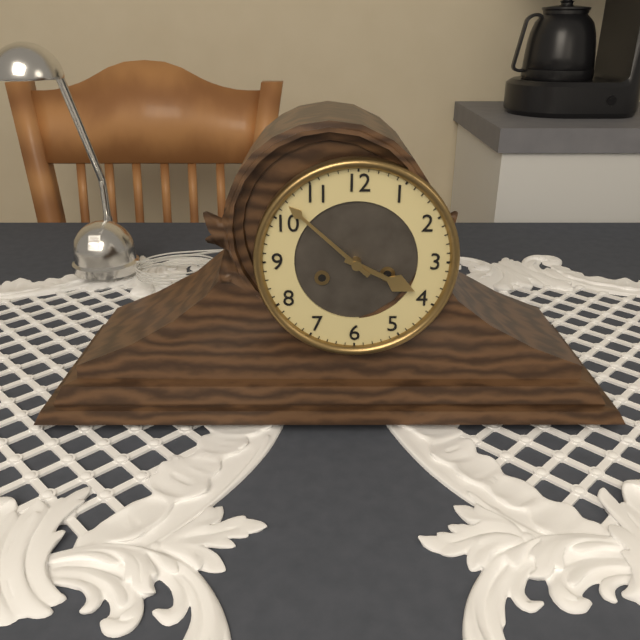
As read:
3,52
